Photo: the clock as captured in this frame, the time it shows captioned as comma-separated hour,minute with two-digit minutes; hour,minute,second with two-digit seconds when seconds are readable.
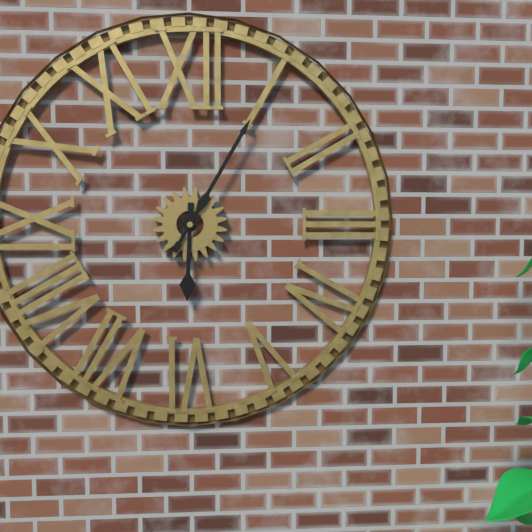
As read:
6,05
